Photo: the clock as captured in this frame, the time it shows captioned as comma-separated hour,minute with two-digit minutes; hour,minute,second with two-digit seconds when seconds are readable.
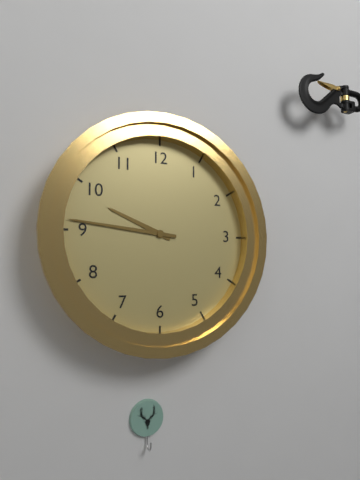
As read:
9,46
